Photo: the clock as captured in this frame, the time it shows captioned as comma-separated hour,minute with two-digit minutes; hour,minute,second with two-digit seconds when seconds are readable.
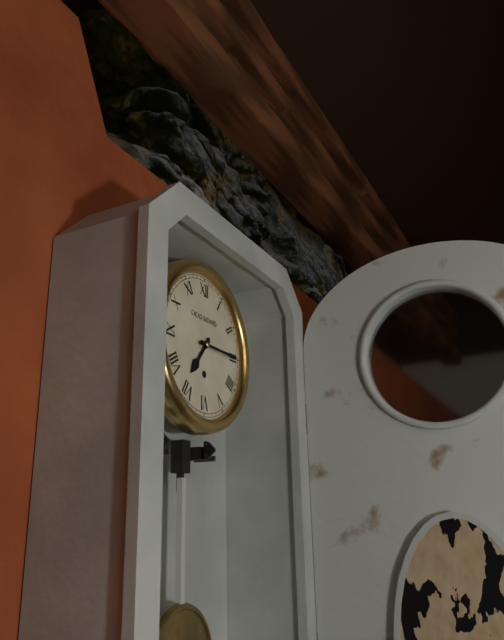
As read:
7,15
